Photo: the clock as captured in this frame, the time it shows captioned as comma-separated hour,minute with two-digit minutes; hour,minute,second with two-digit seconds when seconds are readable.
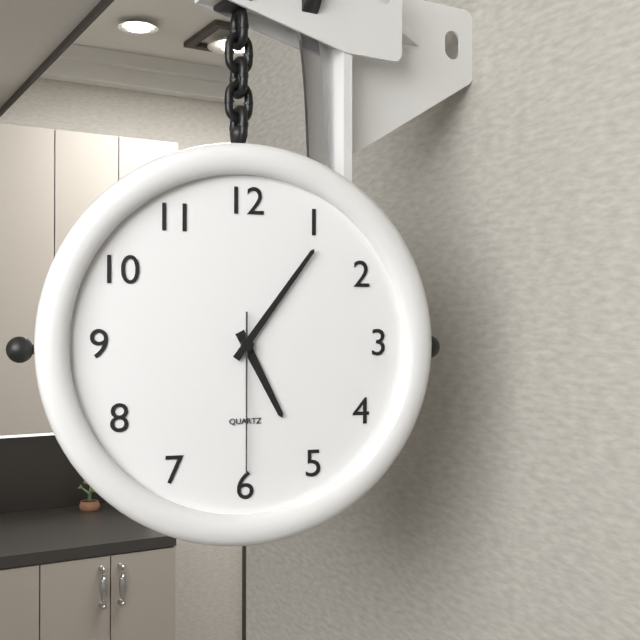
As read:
5,06,30
